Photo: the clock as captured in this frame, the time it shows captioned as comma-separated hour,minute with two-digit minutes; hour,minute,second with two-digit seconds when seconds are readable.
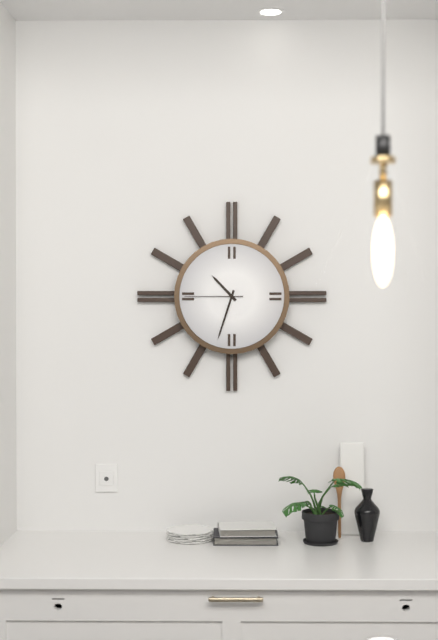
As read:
10,33,45
